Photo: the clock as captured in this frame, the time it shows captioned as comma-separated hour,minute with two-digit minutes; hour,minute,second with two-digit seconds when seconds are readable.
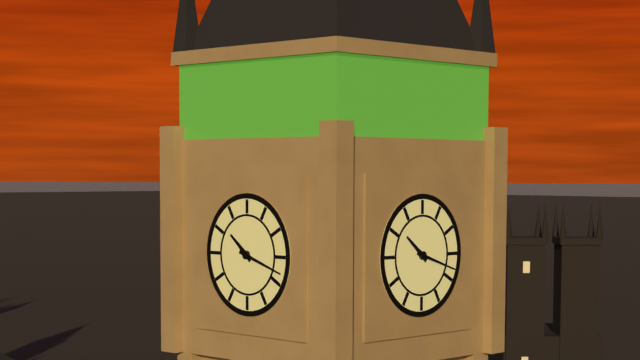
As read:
10,18
